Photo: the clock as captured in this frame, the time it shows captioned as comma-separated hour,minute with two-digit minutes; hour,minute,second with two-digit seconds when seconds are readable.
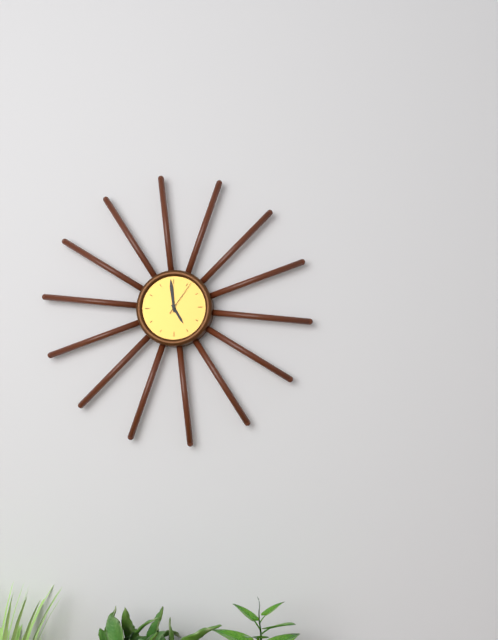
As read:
4,59
